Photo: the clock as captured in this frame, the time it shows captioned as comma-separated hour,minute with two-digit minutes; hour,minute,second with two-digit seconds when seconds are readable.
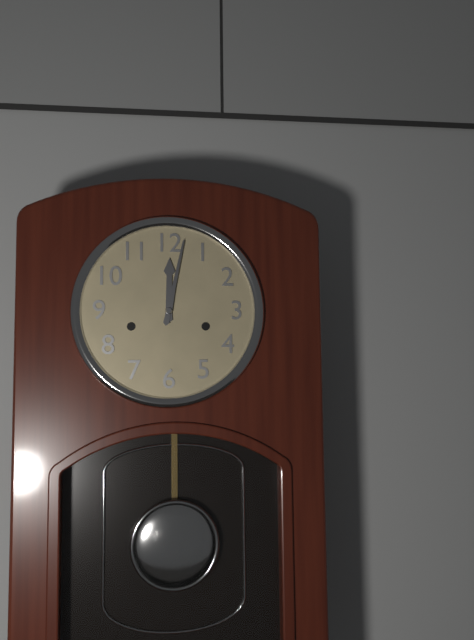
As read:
12,02
